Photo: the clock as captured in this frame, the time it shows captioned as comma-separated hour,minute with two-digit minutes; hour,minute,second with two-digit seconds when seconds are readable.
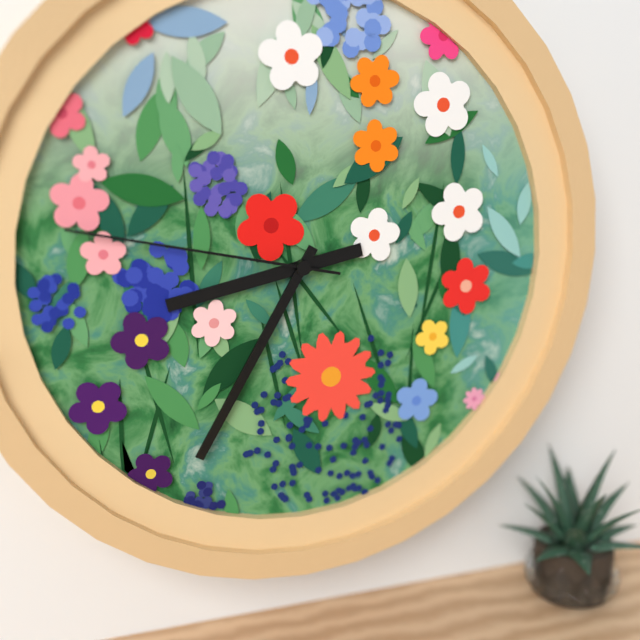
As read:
8,35,47
